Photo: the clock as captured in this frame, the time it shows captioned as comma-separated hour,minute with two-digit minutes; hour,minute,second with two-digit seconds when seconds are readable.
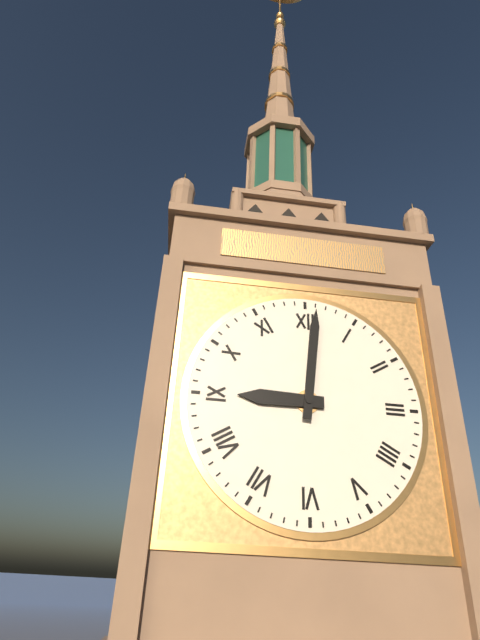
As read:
9,01
